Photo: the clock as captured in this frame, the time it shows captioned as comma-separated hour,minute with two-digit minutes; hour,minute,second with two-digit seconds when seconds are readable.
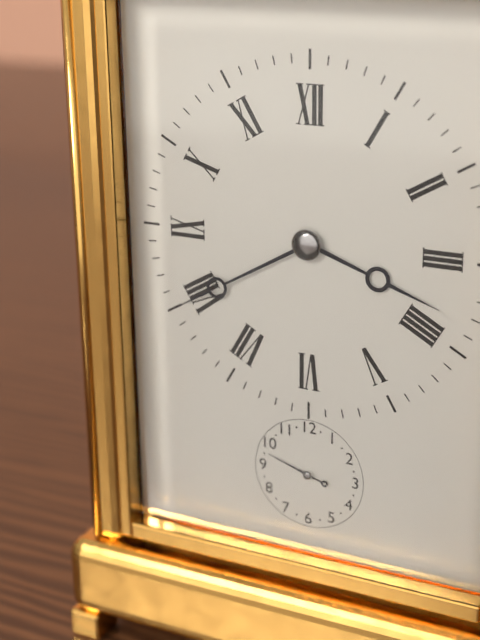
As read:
3,40
